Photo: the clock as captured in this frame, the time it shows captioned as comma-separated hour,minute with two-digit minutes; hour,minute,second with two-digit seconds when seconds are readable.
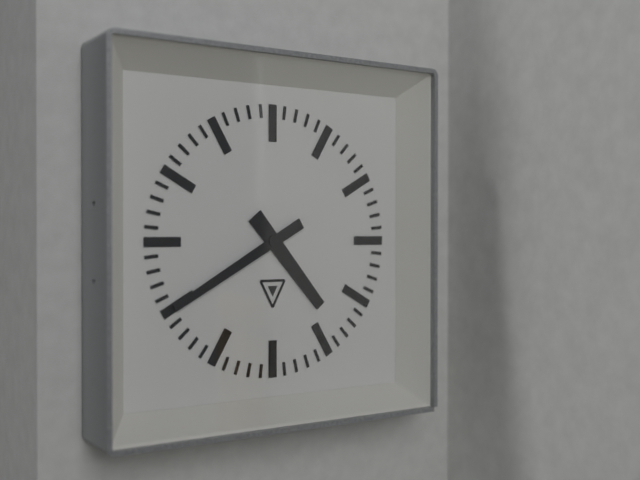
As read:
4,40
